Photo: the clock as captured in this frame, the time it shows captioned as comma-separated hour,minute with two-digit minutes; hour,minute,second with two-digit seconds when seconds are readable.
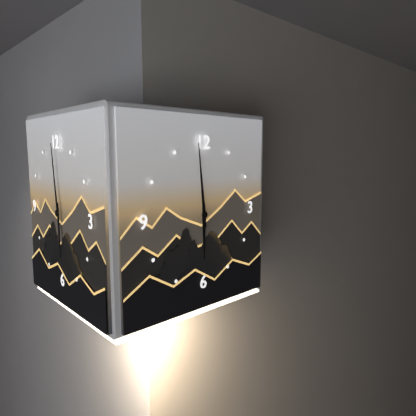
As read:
5,59
